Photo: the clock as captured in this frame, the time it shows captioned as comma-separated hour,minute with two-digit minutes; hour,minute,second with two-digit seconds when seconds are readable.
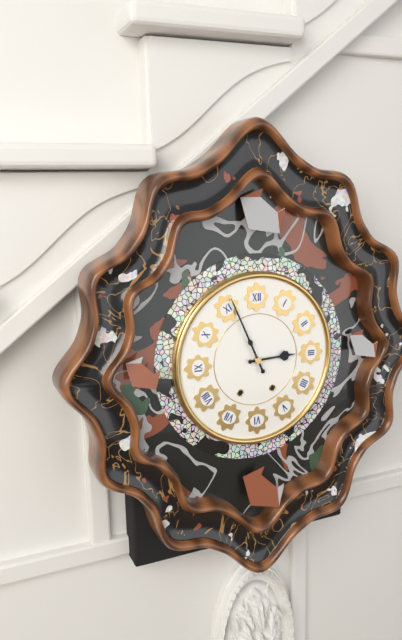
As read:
2,56
